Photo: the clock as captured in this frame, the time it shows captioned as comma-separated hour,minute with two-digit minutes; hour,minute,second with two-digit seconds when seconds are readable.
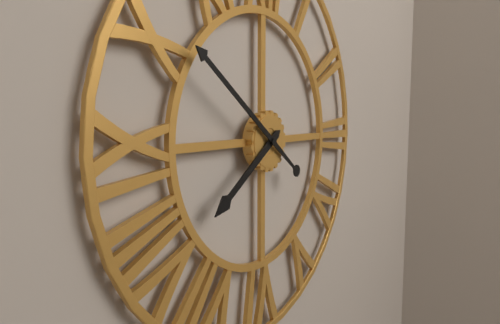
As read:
7,51
